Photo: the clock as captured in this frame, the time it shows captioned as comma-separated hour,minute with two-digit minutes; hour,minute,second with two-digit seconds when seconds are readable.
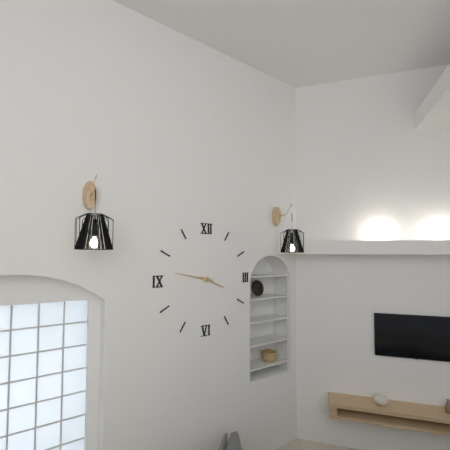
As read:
3,47
